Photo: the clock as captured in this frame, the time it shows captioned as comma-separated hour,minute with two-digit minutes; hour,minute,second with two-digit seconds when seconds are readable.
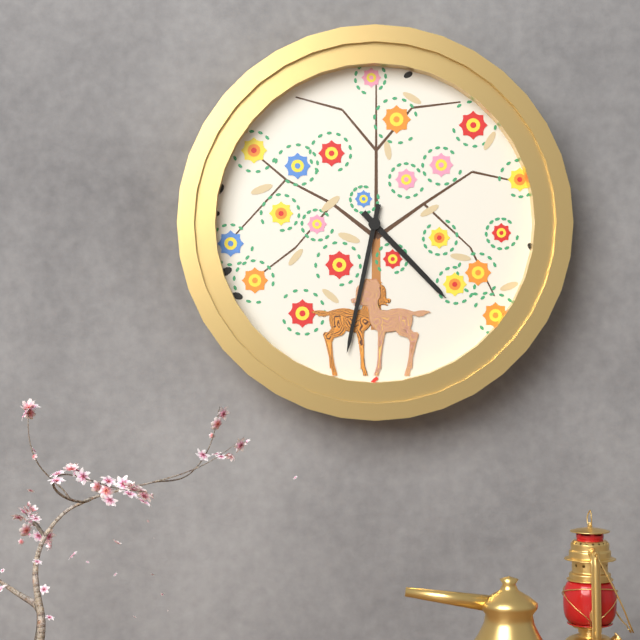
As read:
4,32
